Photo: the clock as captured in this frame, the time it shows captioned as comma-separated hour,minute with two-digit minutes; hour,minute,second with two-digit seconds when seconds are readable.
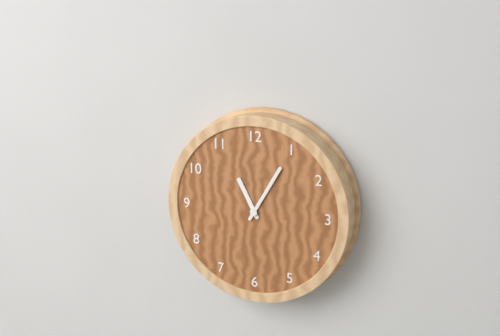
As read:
11,05
